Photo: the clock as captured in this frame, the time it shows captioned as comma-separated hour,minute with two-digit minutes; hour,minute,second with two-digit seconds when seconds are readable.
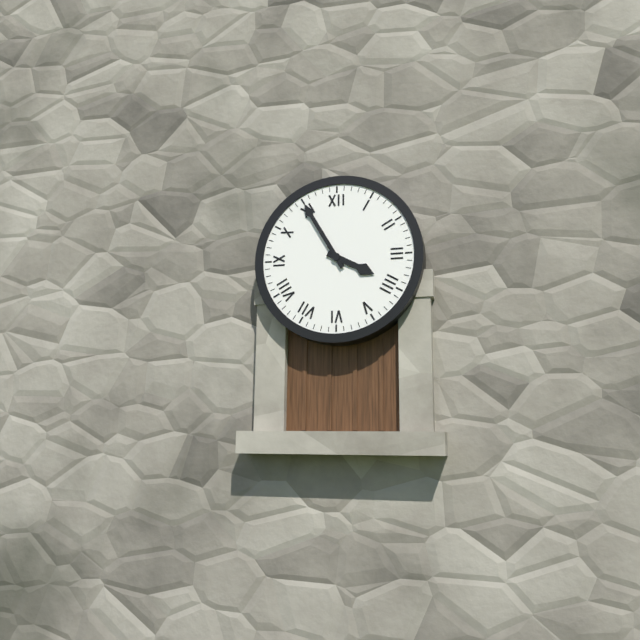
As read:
3,55
